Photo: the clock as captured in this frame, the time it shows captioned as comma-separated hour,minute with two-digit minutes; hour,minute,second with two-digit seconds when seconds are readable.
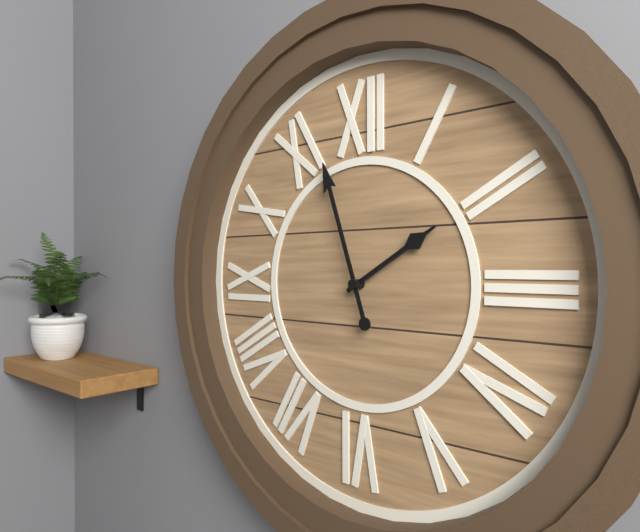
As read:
1,57
